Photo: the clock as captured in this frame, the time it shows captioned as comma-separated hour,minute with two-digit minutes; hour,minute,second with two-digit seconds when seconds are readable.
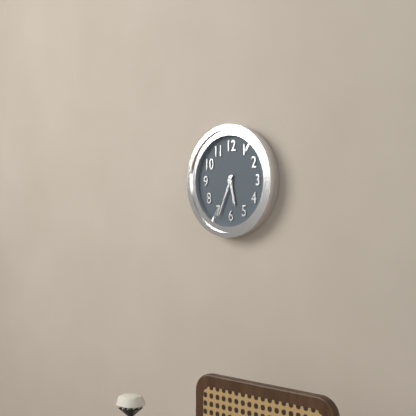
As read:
5,34
